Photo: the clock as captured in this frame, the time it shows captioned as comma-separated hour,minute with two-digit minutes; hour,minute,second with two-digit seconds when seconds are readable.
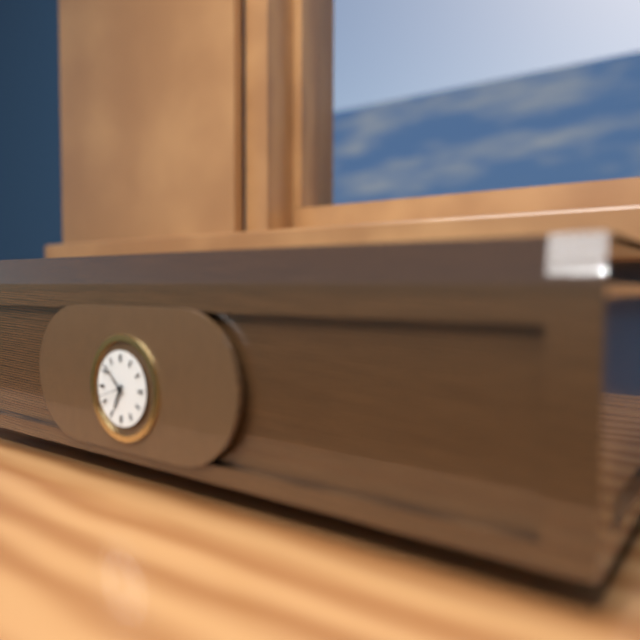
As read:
6,52,42
